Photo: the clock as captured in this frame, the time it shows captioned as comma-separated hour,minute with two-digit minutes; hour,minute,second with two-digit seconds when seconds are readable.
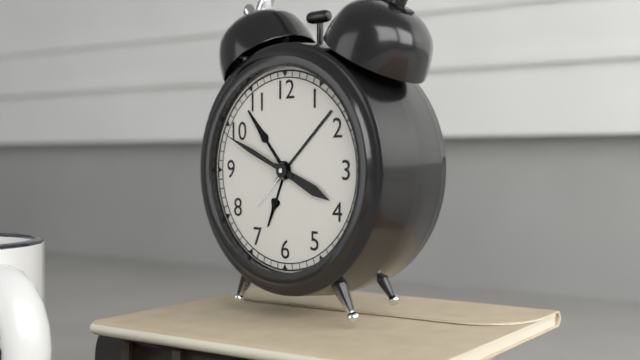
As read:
3,49
